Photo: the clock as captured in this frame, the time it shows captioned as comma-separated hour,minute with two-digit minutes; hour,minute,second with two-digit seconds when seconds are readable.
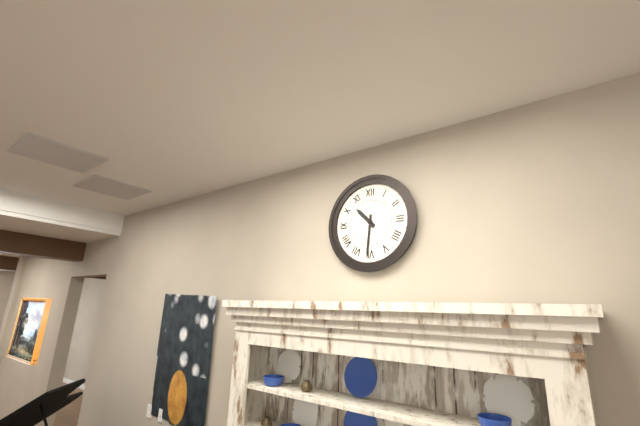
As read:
10,31
